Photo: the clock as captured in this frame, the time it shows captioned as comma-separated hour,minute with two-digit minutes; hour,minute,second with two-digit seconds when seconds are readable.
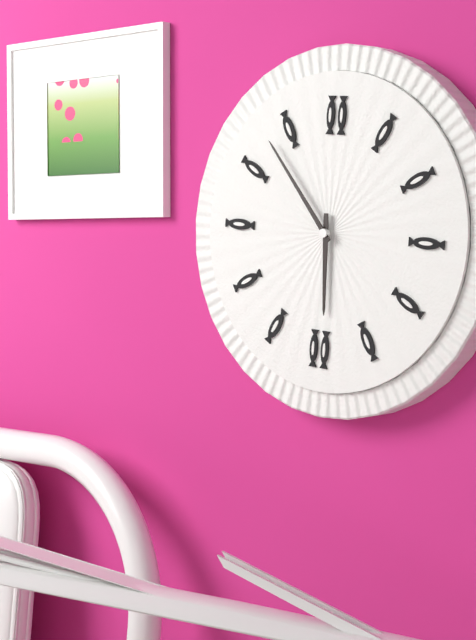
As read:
5,53
